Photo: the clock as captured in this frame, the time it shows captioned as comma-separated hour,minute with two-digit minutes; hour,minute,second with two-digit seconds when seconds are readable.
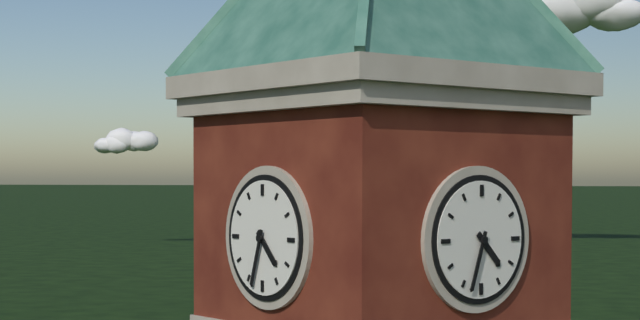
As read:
4,33
